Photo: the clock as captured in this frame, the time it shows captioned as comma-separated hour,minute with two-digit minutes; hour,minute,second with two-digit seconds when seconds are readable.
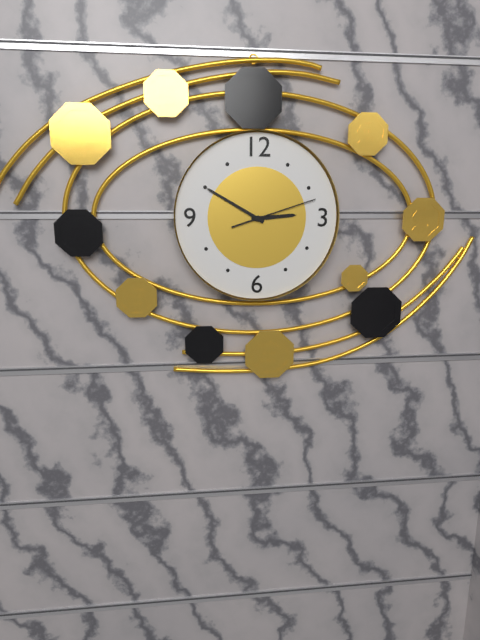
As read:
2,50,12
